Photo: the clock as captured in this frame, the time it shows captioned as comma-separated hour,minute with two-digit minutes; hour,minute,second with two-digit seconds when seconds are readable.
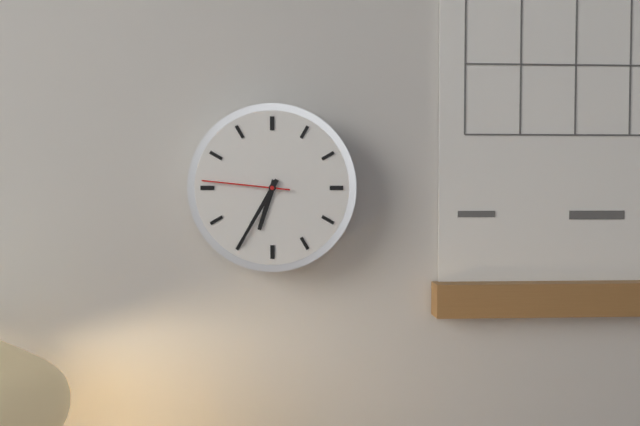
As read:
6,35,46
